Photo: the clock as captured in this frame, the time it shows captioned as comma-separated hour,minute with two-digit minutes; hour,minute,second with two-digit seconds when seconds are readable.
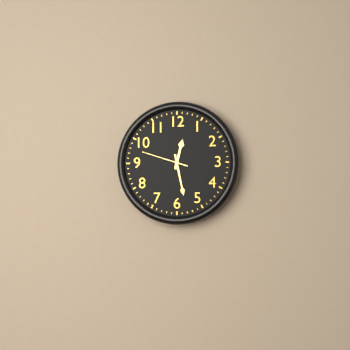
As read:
12,28
